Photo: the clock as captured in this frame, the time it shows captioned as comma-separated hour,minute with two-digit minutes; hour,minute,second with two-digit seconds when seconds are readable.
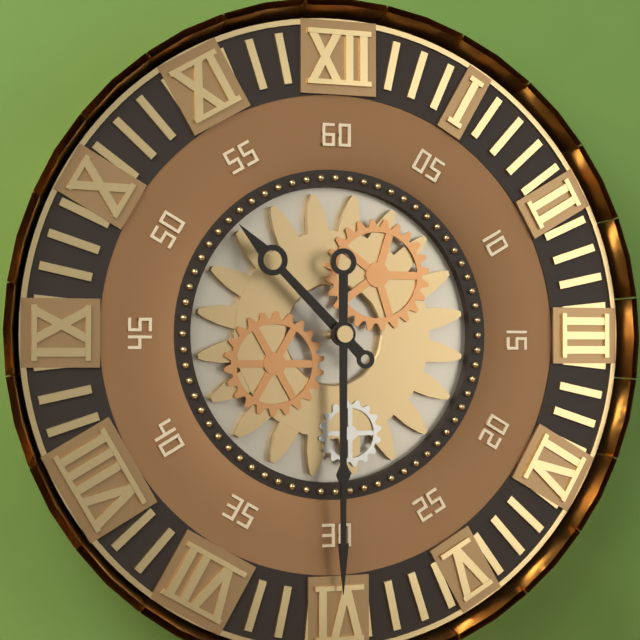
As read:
10,30
